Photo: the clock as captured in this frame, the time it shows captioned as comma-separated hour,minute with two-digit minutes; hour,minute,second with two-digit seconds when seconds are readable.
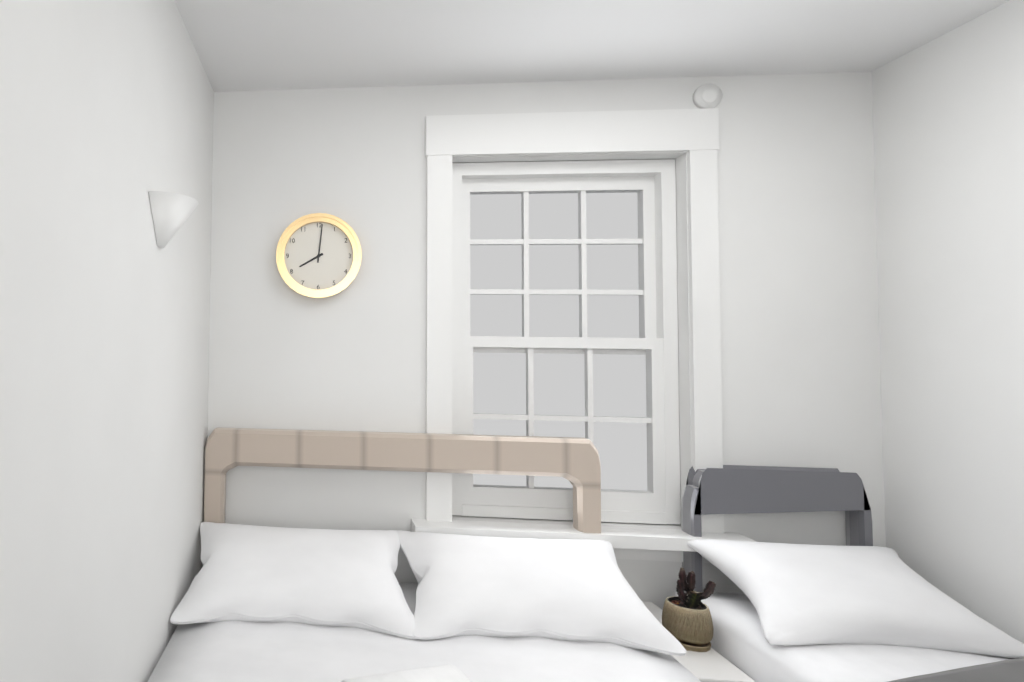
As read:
8,01
